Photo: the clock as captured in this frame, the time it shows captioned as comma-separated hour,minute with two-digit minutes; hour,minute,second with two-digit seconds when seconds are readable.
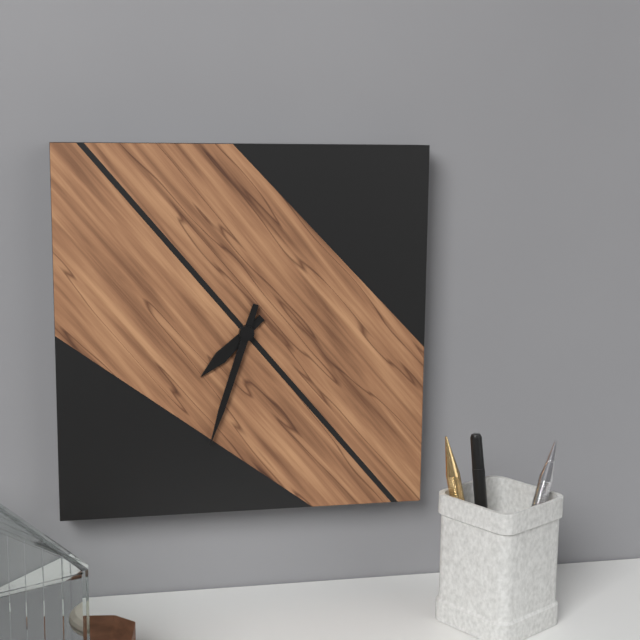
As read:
7,33
